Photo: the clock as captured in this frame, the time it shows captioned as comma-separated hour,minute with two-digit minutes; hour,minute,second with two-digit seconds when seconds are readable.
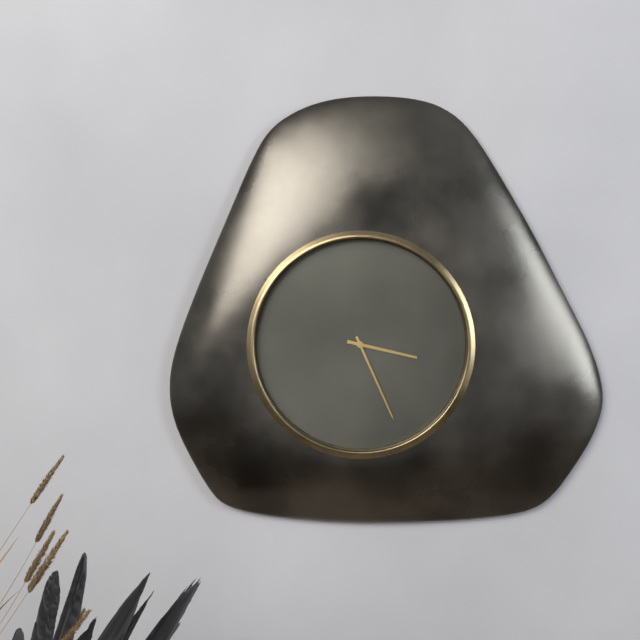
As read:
3,26
